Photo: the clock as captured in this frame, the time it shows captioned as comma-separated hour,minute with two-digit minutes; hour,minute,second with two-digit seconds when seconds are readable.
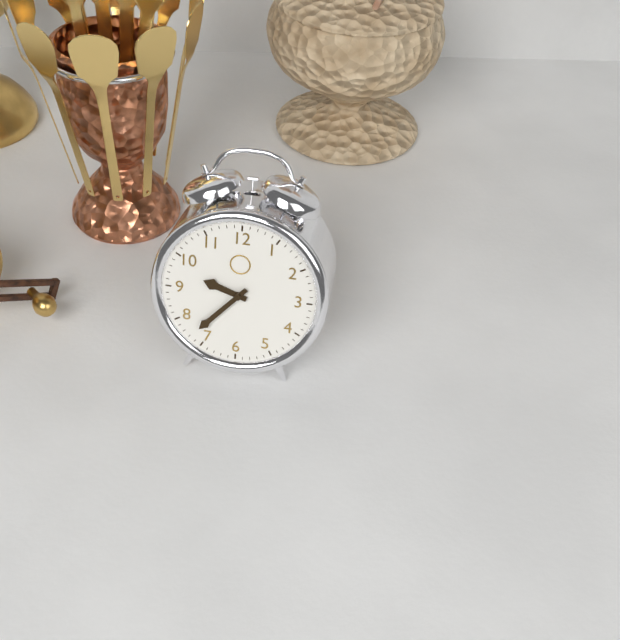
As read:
9,37
